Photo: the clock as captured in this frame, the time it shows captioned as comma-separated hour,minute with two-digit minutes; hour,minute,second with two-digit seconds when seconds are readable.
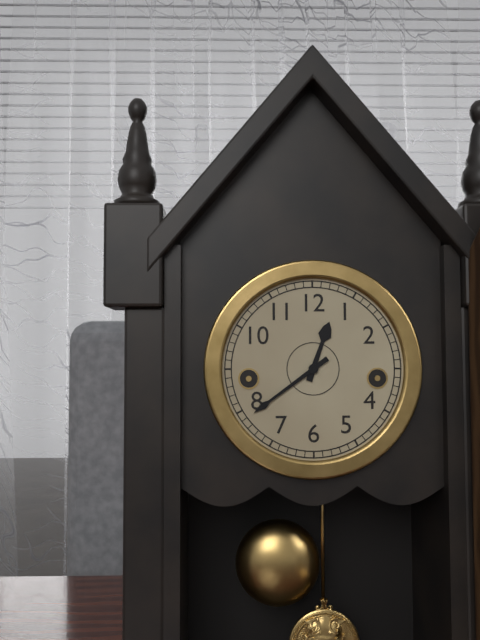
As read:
12,39
